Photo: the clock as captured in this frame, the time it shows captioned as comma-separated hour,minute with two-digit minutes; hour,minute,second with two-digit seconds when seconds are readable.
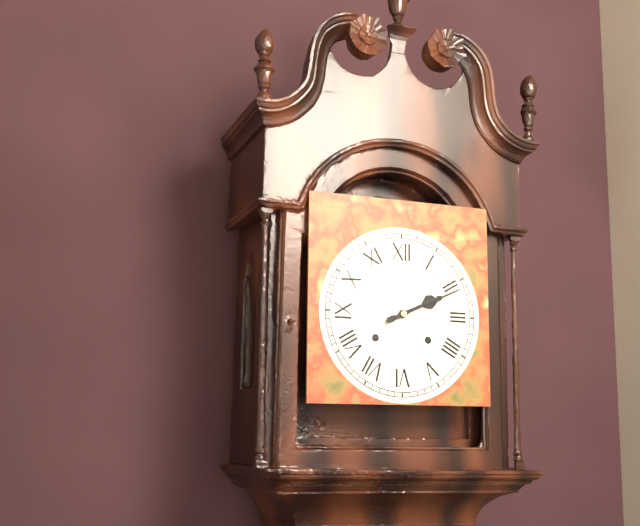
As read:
2,11
